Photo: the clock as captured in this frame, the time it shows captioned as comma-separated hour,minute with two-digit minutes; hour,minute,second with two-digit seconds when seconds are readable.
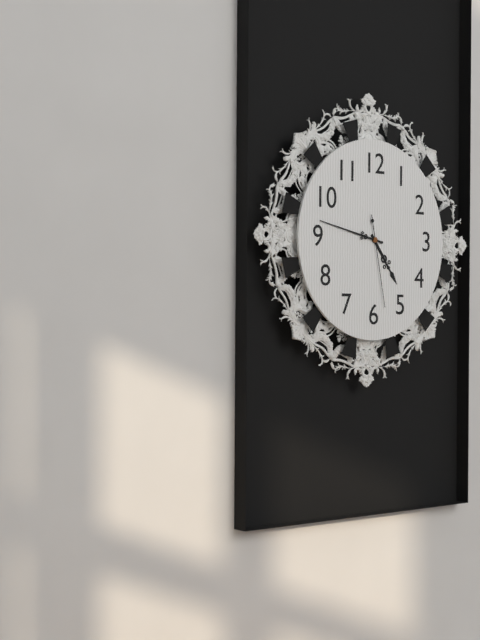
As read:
4,47,28
